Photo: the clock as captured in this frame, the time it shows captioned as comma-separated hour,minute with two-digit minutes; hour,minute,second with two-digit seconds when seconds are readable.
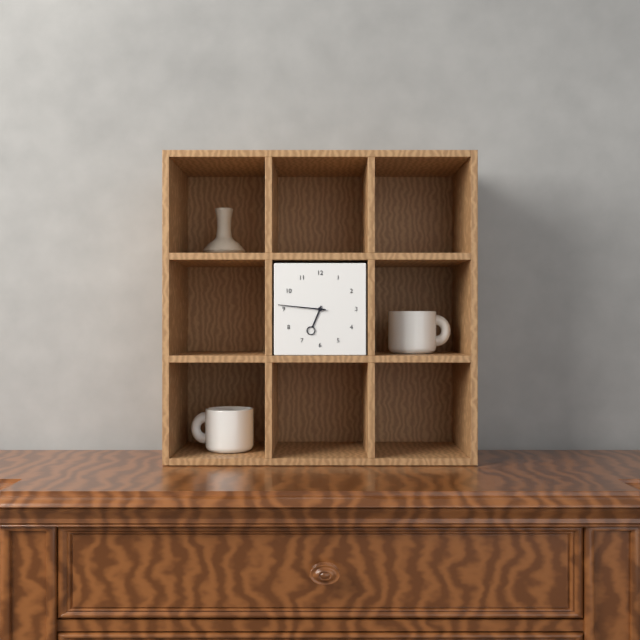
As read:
6,46
